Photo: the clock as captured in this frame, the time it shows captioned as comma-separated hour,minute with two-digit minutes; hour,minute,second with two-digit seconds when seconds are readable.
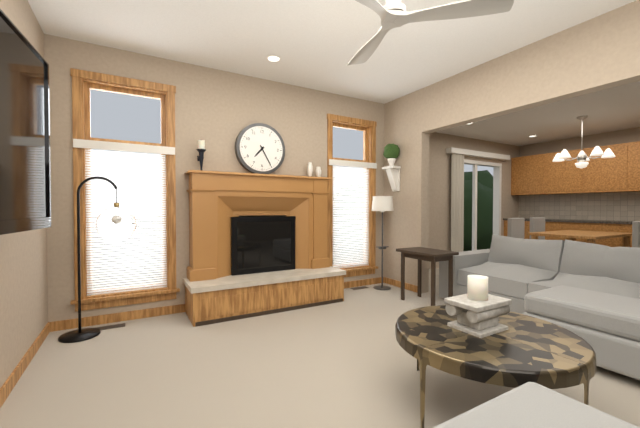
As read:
7,25
